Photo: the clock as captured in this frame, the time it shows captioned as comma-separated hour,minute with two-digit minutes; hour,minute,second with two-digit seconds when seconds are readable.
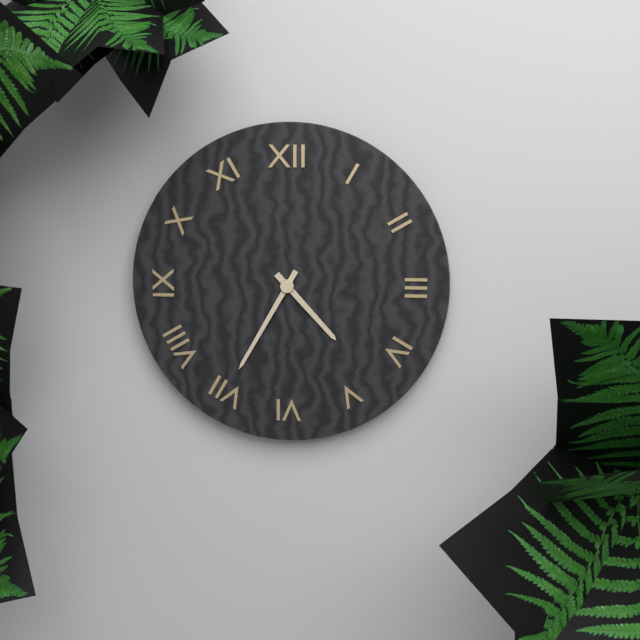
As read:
4,35
